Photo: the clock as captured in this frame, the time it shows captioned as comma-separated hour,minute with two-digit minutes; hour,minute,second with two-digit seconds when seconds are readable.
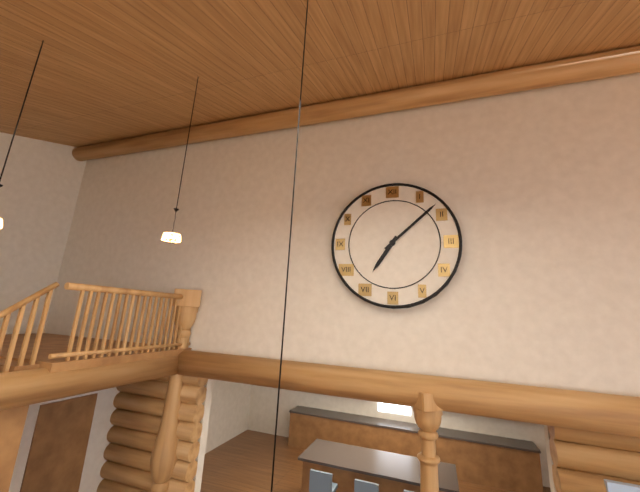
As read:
7,08
